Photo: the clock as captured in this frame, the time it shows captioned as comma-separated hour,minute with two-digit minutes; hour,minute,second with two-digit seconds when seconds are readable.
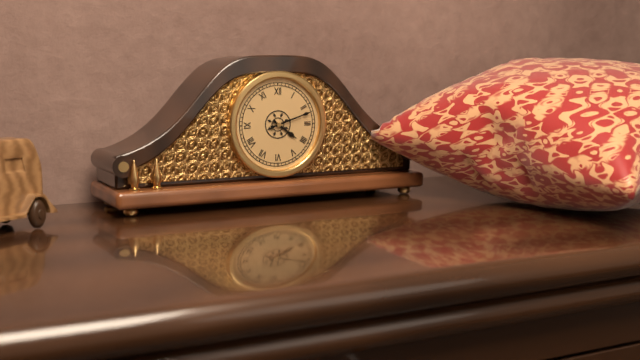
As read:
4,12
